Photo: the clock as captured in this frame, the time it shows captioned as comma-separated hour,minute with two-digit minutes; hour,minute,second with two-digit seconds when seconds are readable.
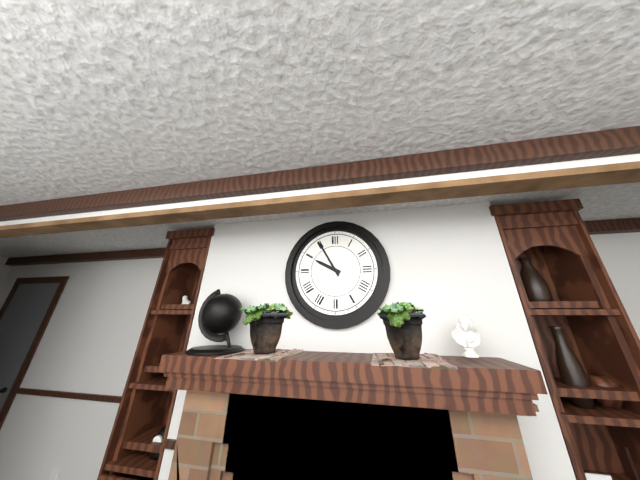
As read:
9,55
